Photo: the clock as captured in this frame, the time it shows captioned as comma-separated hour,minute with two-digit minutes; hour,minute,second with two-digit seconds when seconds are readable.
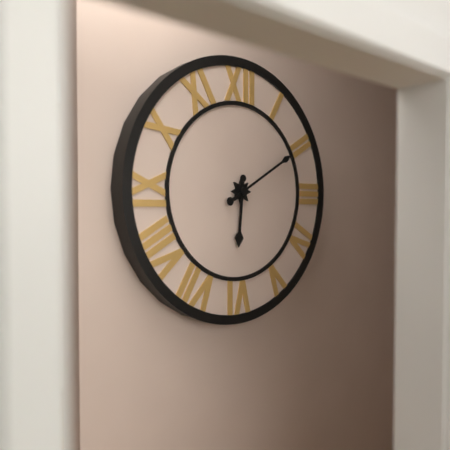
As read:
6,10
